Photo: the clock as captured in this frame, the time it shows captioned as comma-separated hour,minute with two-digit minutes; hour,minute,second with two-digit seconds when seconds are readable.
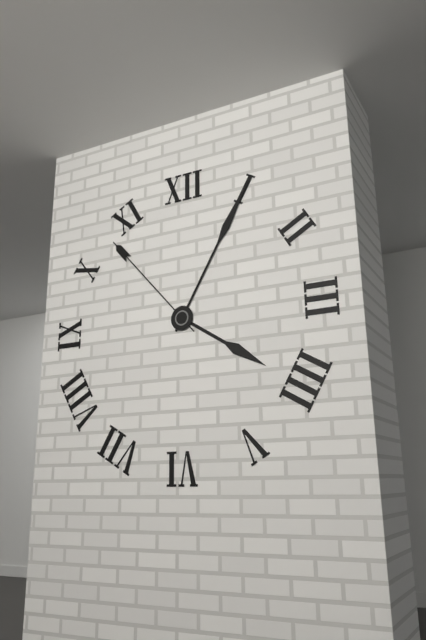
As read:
4,05,53
